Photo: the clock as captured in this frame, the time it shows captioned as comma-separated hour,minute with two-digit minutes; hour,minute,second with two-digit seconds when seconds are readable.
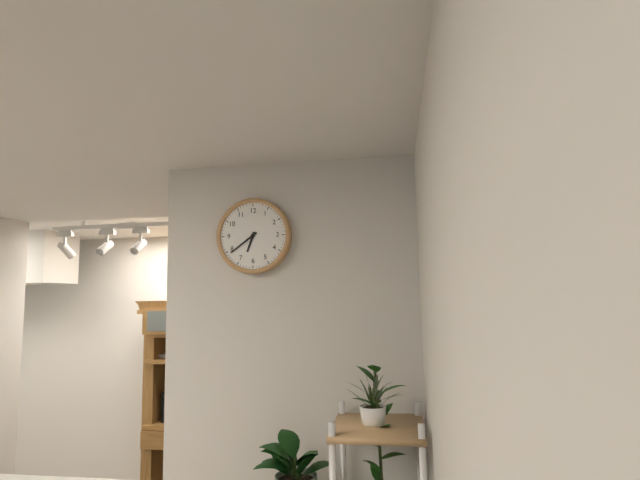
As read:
6,39
